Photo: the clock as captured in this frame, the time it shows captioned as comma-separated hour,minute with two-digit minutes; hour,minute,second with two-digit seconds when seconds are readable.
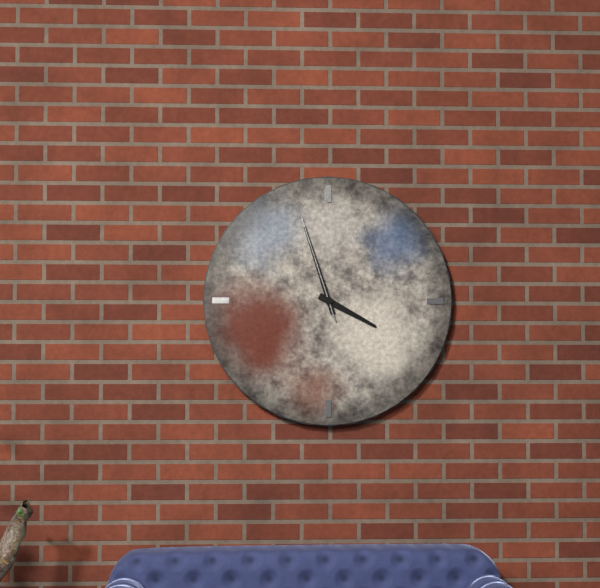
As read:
3,57,57
